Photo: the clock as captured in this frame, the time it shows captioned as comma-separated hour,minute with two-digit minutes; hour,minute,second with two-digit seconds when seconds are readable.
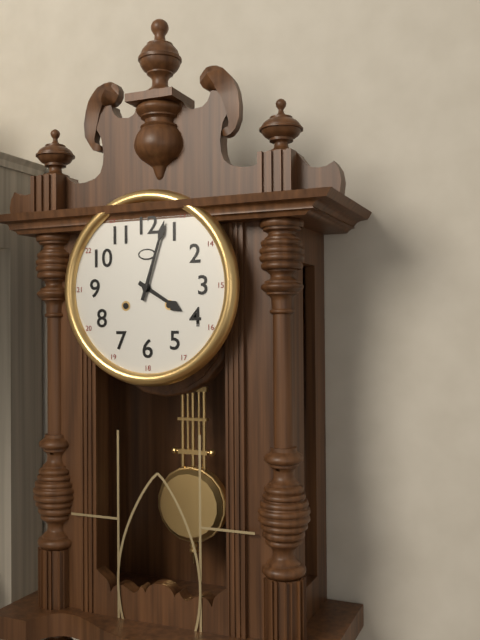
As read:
4,03
